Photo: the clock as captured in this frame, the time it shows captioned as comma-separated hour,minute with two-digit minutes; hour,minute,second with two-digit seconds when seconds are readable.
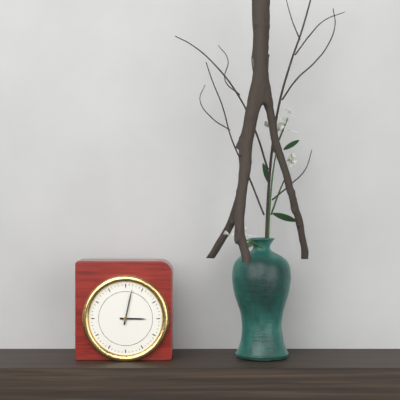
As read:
3,02
